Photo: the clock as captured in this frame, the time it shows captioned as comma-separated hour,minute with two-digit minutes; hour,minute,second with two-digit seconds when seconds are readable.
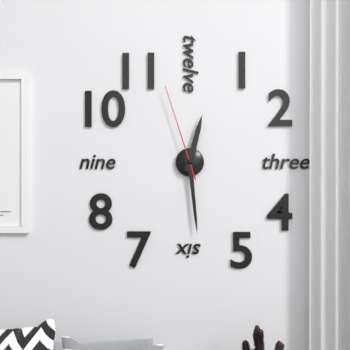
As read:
12,29,57
